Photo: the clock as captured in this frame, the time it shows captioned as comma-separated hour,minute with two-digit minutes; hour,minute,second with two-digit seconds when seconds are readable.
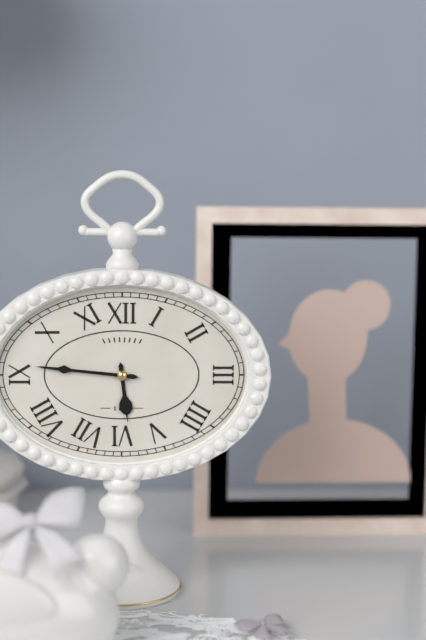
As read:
5,46
